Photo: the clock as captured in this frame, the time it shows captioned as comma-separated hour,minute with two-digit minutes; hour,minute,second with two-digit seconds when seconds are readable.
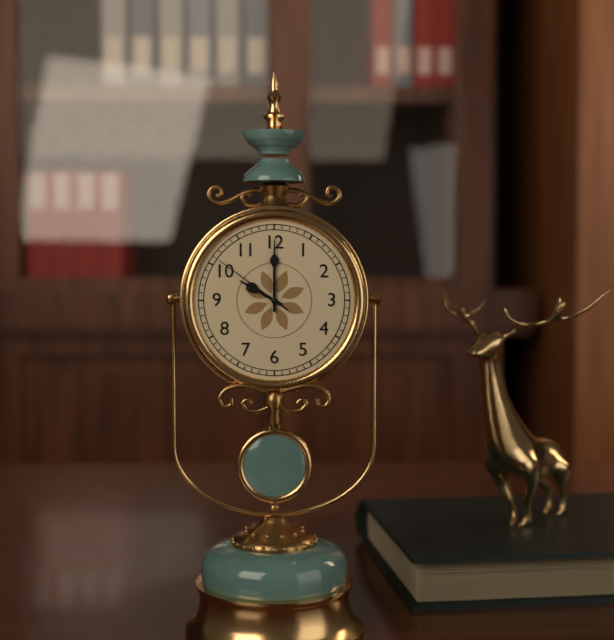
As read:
10,00,51
